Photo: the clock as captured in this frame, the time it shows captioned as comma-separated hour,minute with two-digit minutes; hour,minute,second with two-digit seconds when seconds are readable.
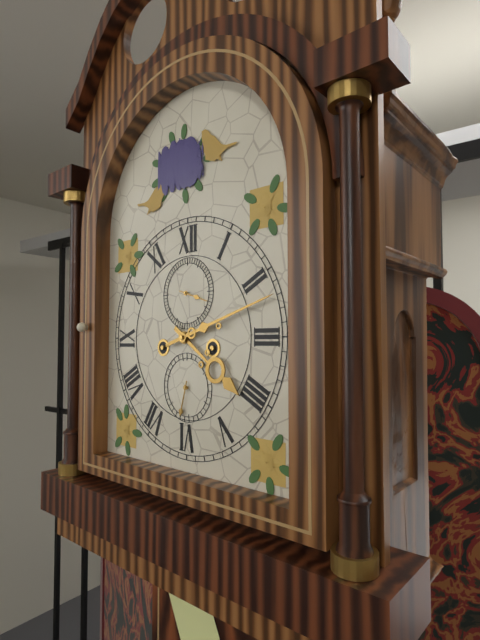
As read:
4,12
